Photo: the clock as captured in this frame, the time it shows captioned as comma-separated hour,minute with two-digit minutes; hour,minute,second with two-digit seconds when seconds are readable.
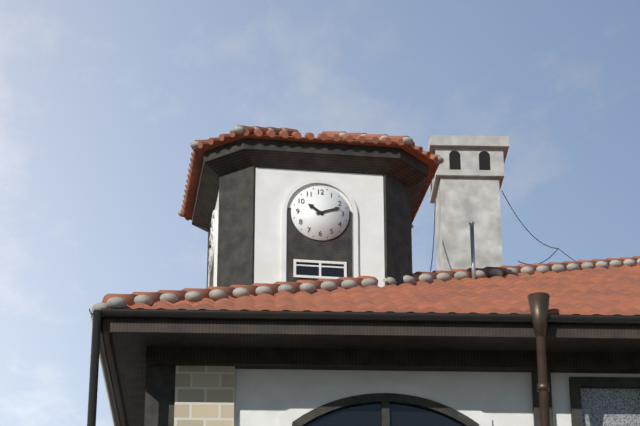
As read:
10,12
